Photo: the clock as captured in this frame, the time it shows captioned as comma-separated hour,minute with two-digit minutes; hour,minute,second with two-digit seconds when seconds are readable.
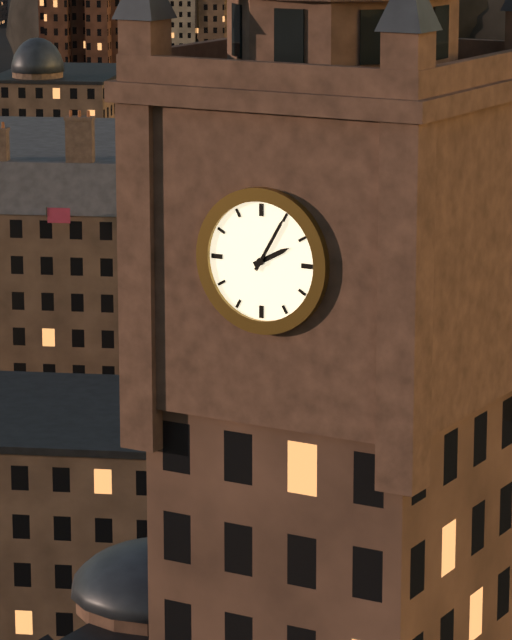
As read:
2,05
